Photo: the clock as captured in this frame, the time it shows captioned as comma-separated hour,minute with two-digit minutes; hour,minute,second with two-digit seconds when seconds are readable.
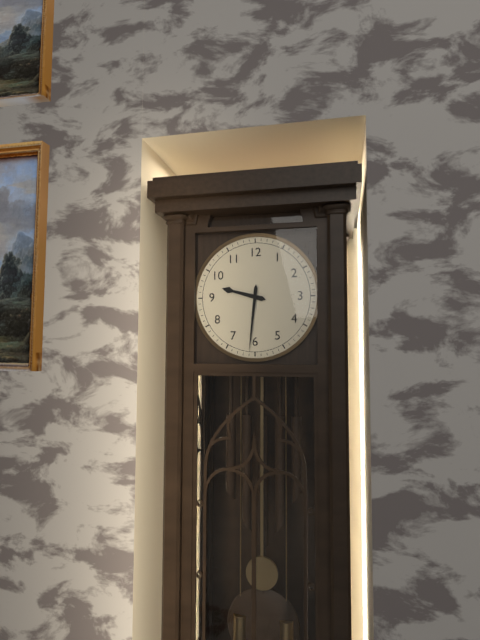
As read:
9,31
